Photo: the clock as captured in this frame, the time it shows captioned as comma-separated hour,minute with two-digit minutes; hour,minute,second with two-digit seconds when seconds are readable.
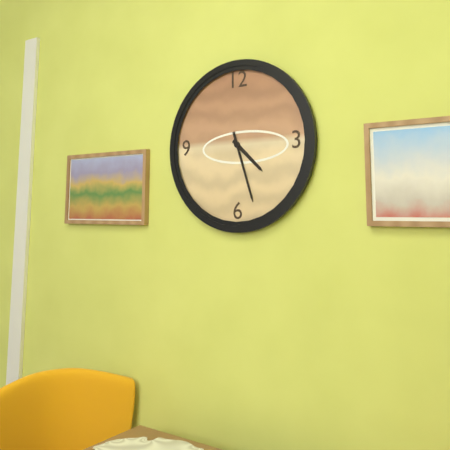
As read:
4,27
